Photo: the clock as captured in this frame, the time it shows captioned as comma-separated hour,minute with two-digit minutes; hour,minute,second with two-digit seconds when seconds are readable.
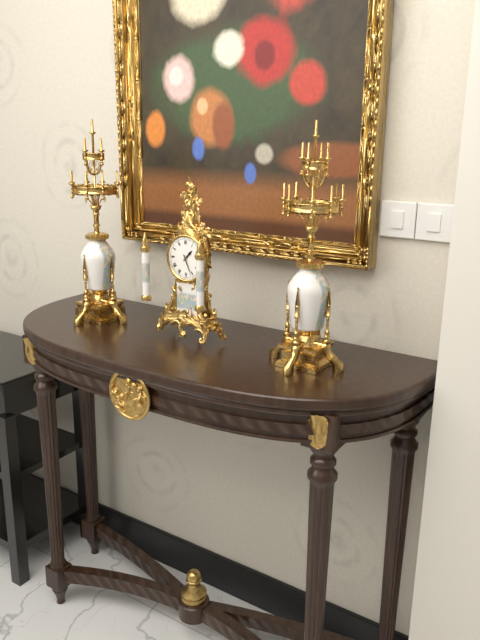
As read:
1,26
